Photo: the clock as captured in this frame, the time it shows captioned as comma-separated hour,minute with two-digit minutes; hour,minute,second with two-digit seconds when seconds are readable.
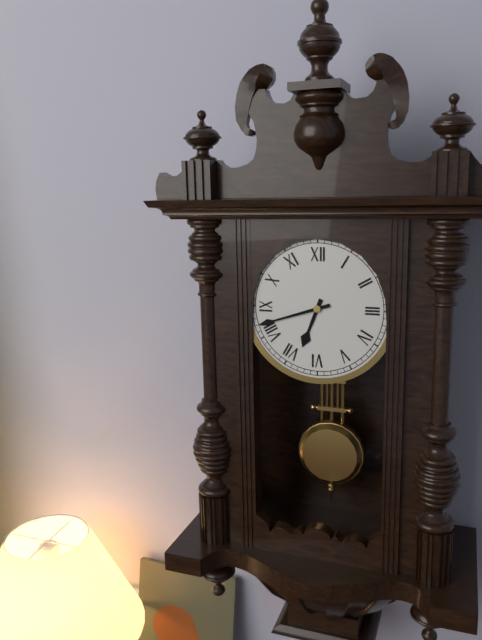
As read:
6,42
